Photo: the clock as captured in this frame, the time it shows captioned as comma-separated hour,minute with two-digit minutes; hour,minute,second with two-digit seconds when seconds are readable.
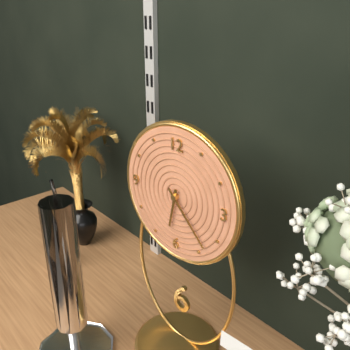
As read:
6,23
